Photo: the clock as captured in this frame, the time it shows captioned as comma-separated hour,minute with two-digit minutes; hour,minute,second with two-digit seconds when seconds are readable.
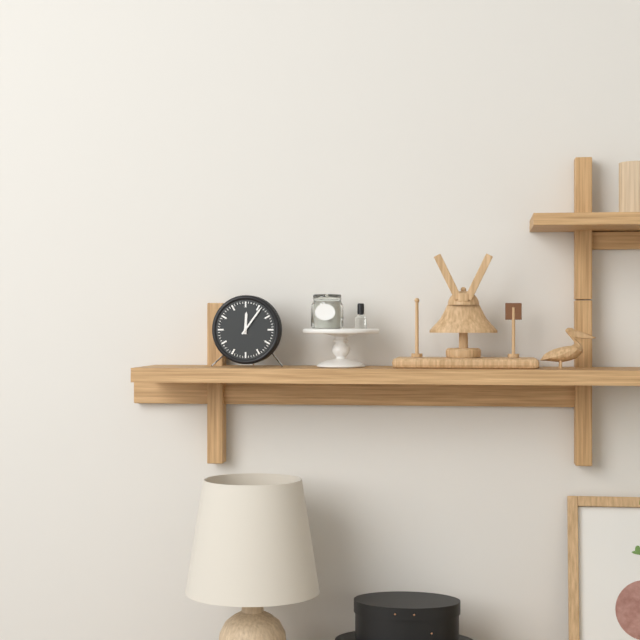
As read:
12,06
